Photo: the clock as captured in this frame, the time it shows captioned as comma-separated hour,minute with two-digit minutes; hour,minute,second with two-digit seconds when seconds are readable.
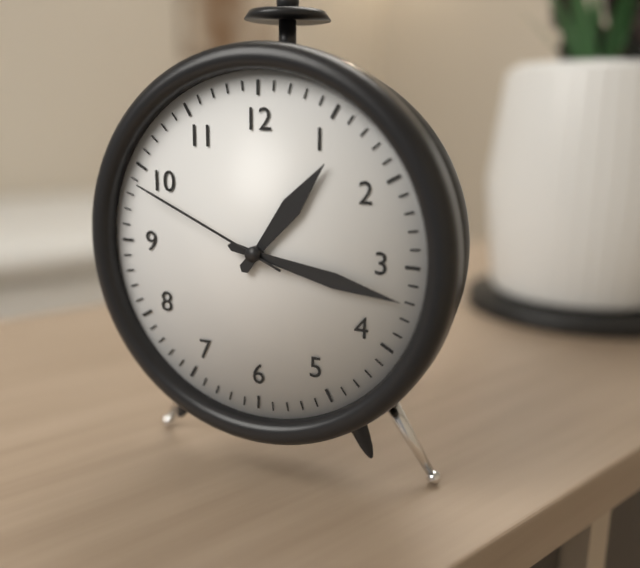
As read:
1,17,49
